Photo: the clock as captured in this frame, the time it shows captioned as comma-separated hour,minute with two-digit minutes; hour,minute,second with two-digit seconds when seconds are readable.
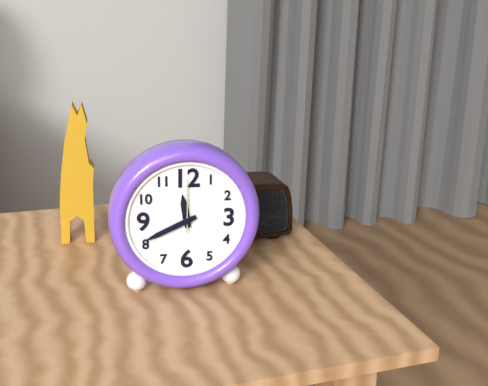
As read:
11,41,00
